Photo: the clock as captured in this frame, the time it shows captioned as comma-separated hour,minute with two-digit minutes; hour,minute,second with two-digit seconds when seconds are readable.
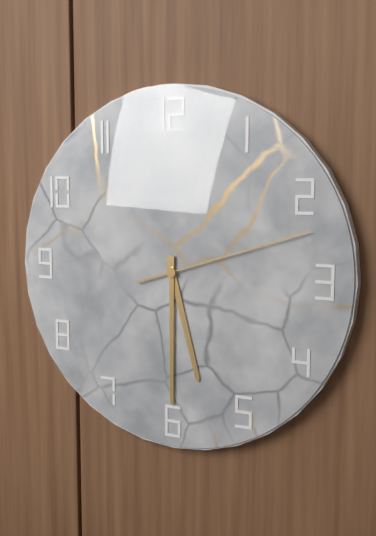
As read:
5,30,12
